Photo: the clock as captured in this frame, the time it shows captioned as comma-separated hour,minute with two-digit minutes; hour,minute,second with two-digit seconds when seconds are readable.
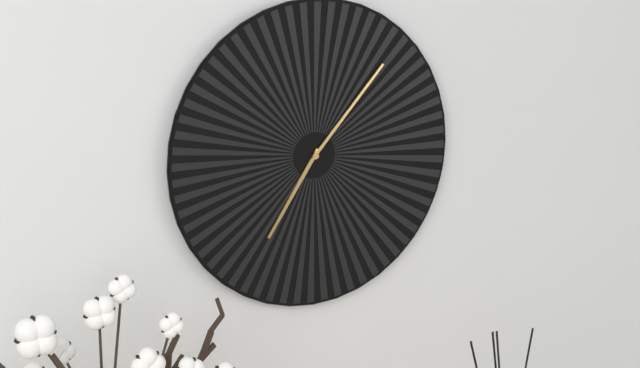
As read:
7,07
